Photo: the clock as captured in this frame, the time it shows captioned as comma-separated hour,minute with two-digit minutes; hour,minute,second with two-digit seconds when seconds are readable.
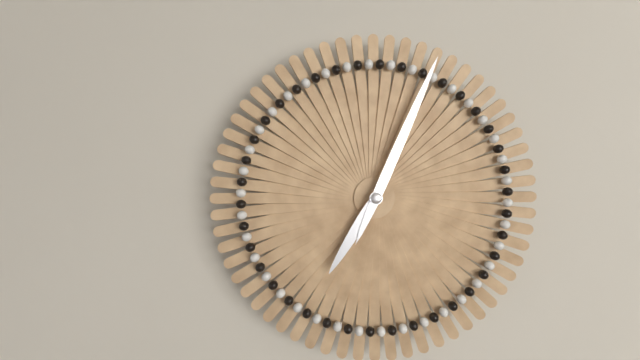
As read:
7,04
